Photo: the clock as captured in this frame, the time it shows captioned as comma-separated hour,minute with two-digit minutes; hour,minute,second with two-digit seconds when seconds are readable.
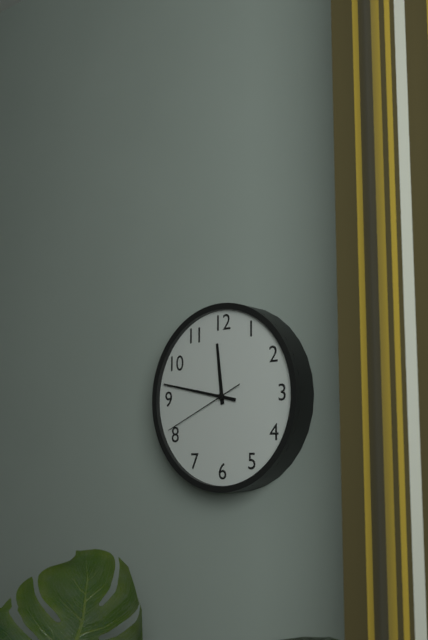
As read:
11,47,41
